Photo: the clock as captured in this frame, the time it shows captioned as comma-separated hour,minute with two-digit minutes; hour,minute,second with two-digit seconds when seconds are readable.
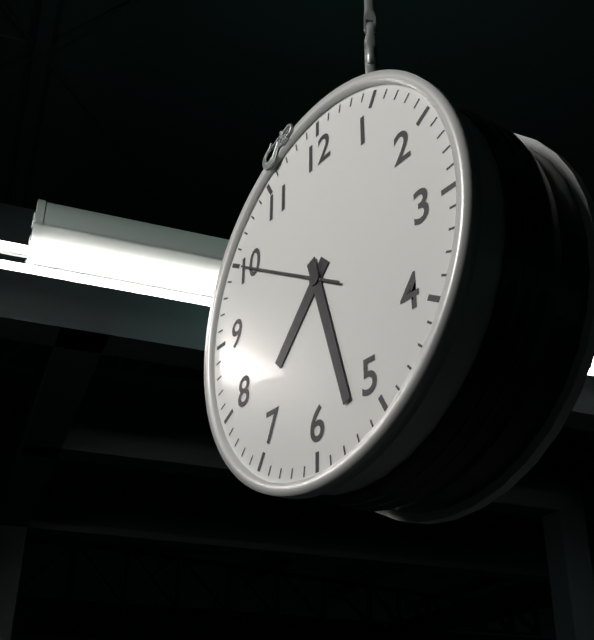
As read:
7,27,50
